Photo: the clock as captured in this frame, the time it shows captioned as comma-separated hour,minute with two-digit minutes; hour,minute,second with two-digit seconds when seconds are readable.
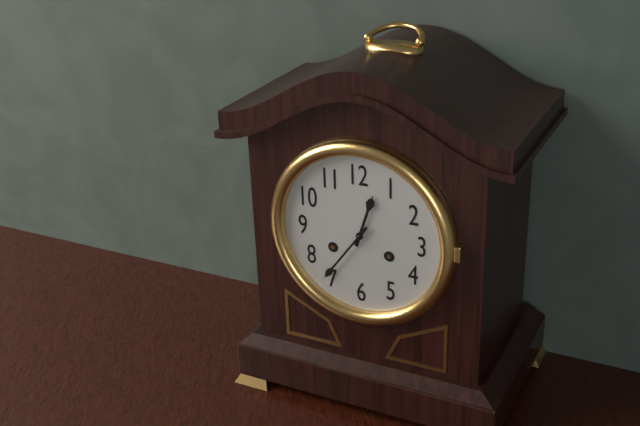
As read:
12,36
